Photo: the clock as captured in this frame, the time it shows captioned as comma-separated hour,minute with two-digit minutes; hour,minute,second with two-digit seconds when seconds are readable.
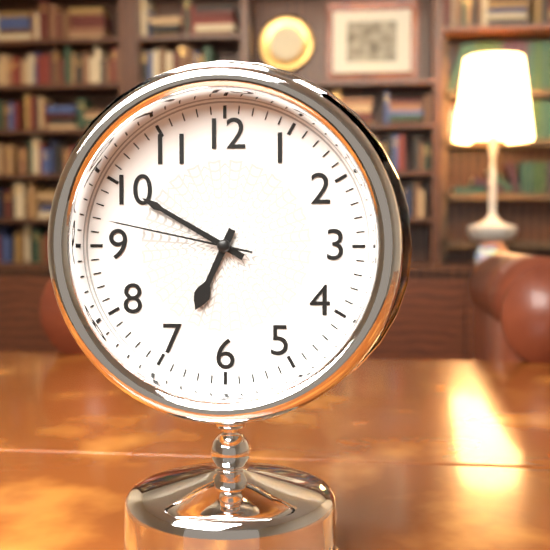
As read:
6,50,47
